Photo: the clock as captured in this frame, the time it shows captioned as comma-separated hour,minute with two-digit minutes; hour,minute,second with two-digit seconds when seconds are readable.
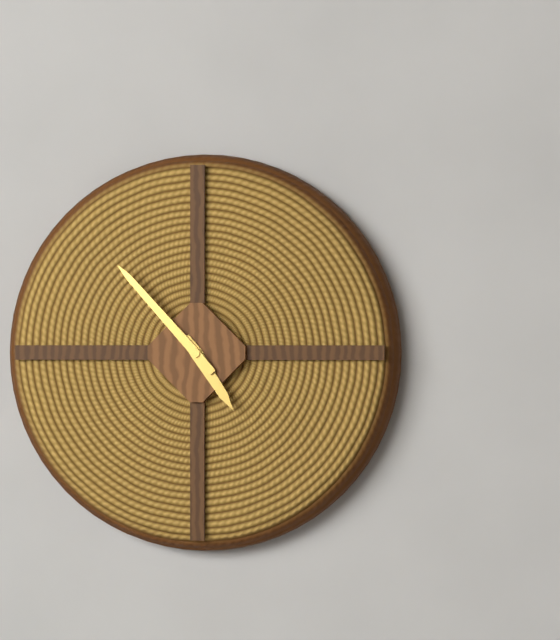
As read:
4,53
